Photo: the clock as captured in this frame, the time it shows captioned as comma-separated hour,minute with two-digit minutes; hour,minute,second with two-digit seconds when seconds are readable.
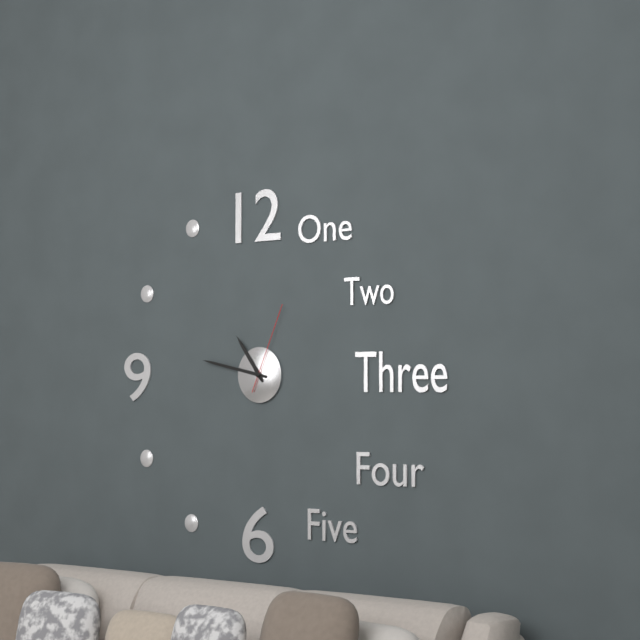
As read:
10,47,04
